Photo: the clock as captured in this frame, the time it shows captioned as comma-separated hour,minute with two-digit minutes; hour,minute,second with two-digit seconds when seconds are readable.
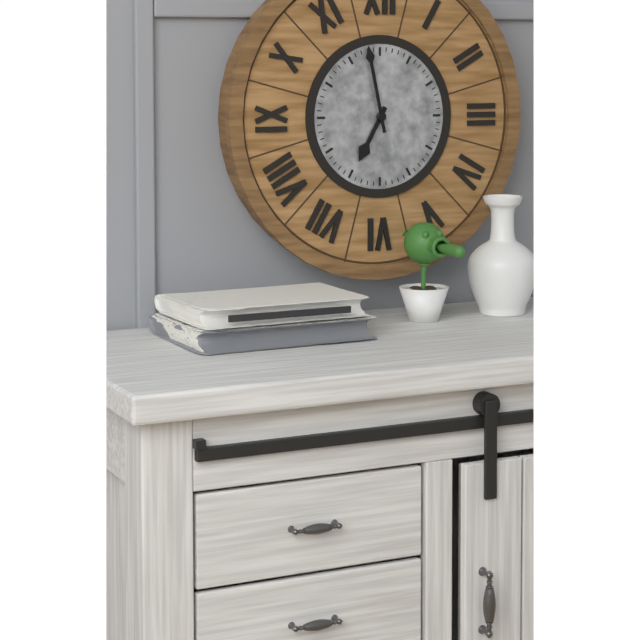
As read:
6,58
